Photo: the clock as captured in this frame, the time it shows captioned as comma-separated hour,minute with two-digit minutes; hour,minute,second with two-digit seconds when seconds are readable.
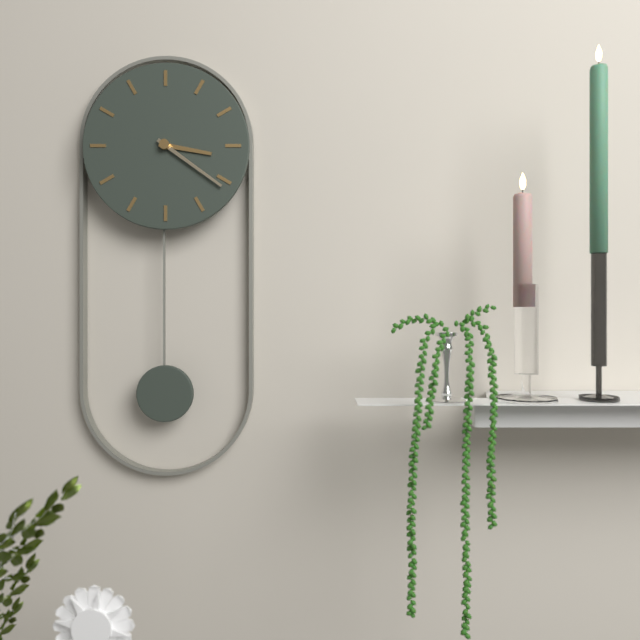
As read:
3,21
